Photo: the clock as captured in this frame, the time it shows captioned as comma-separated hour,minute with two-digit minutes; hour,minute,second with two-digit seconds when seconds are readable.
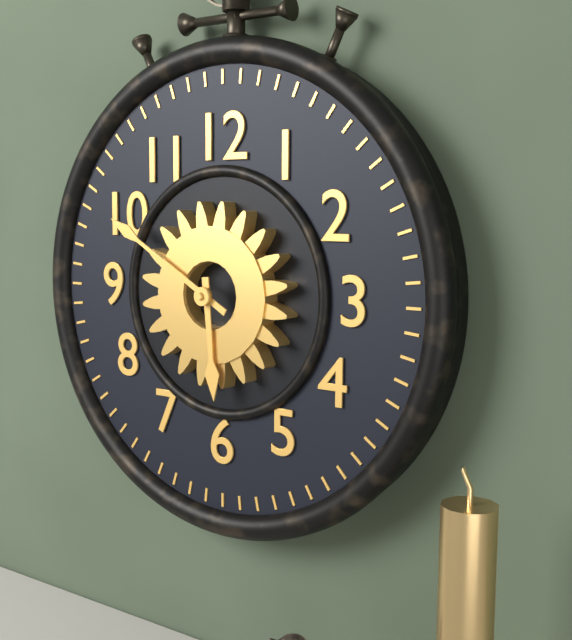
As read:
5,50
